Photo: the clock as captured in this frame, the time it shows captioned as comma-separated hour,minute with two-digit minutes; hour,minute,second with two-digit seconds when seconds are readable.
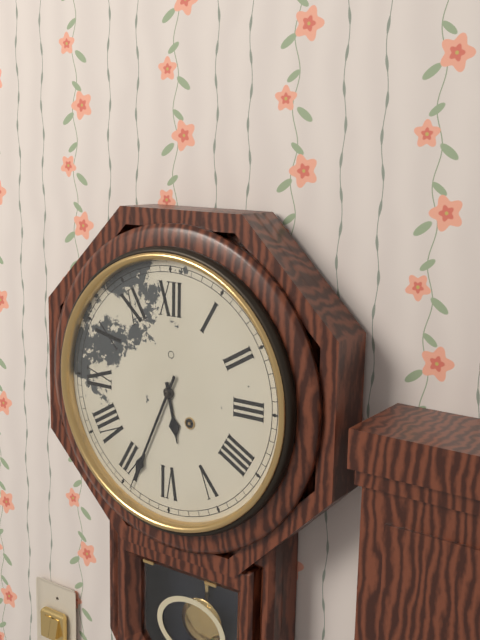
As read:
5,34
